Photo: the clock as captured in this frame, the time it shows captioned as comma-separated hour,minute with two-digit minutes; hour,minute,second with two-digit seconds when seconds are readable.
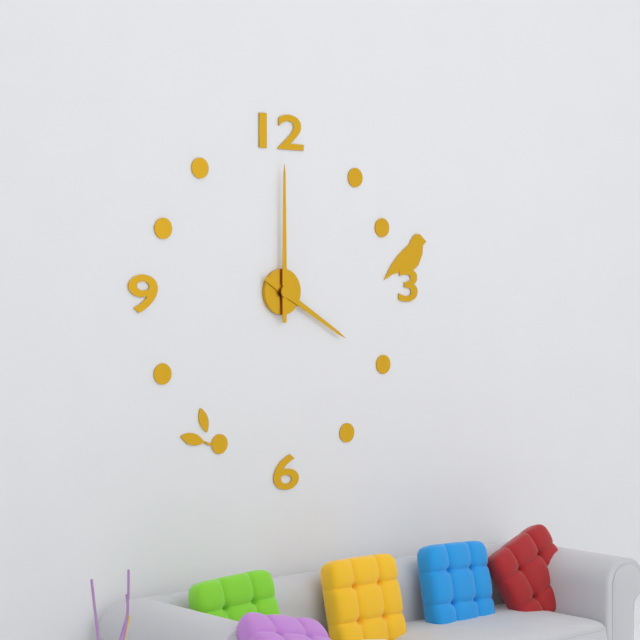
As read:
4,00
